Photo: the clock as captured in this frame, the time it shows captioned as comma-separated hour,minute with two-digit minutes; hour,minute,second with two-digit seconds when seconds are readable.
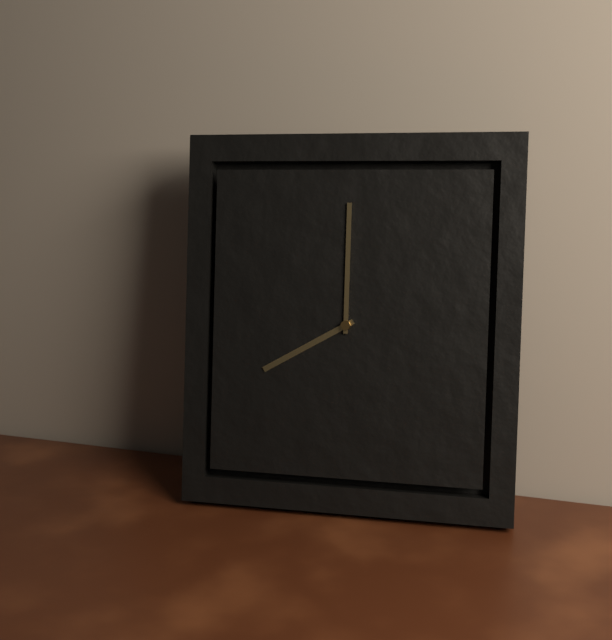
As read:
8,00
